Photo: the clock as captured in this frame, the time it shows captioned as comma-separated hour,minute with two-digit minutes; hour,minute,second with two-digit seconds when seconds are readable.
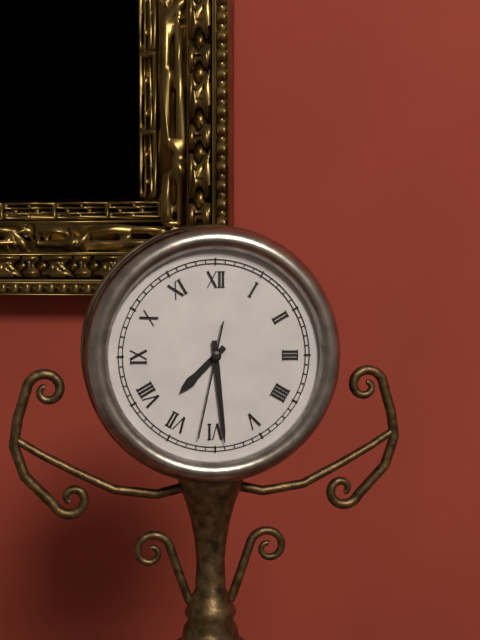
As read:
7,29,32
